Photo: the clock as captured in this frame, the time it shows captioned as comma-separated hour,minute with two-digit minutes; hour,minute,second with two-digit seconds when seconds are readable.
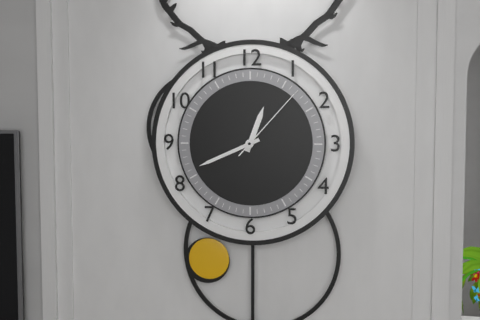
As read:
12,41,07
